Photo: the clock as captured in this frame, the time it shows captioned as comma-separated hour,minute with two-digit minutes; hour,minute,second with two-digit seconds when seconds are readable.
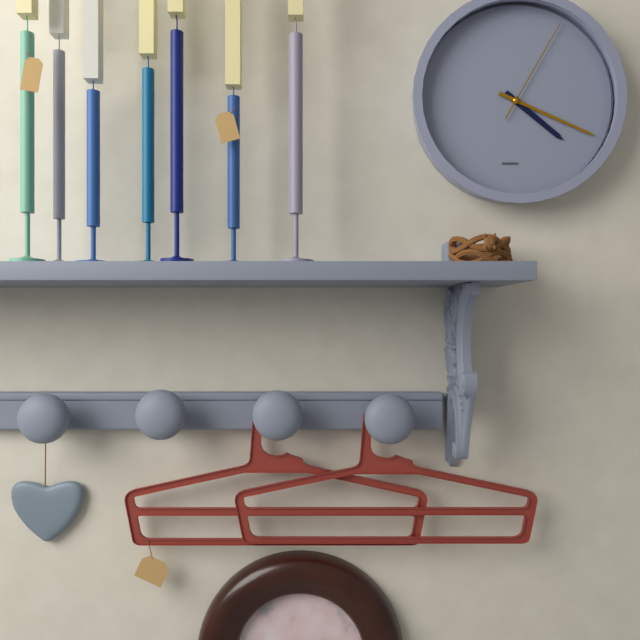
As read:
4,19,05
